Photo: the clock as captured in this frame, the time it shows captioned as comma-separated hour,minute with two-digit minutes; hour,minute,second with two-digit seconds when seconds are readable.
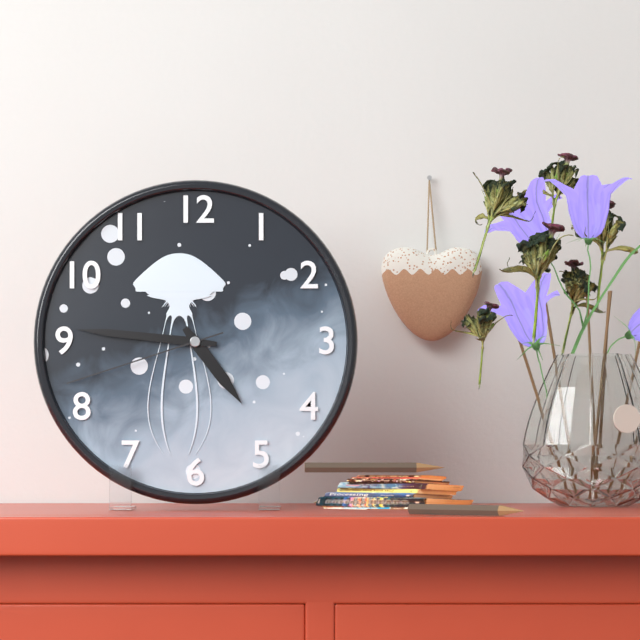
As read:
4,46,42
